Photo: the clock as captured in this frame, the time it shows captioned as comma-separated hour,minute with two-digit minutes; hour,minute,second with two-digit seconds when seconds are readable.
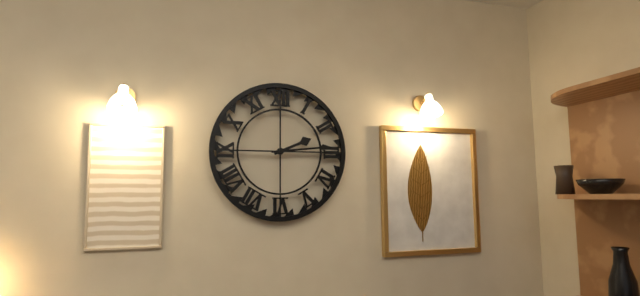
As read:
2,14
